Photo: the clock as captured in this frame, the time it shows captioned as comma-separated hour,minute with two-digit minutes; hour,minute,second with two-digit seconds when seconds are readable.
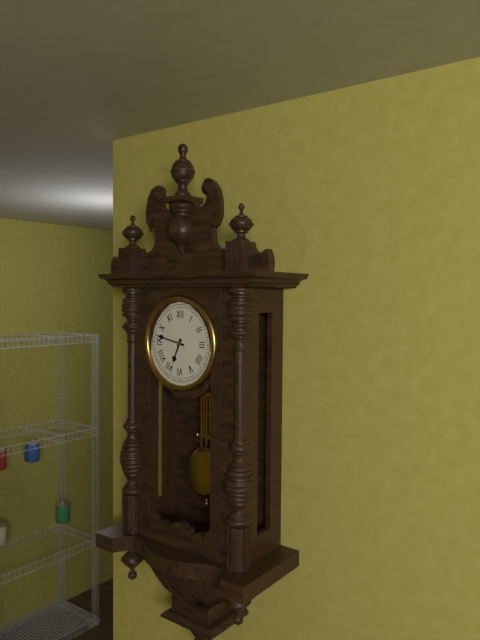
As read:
6,47
